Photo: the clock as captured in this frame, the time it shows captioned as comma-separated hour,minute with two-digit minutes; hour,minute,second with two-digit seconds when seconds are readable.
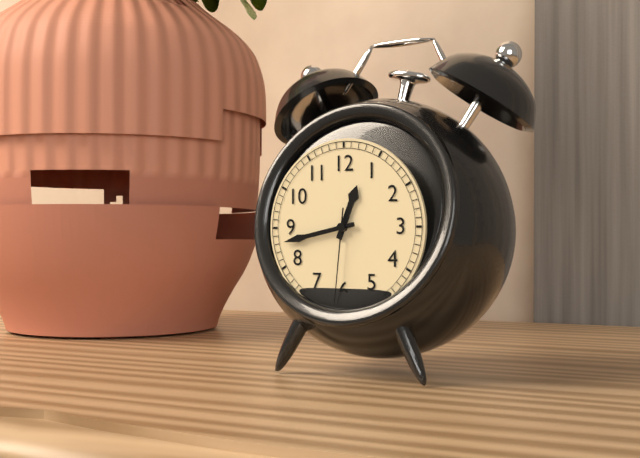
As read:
12,43,31
